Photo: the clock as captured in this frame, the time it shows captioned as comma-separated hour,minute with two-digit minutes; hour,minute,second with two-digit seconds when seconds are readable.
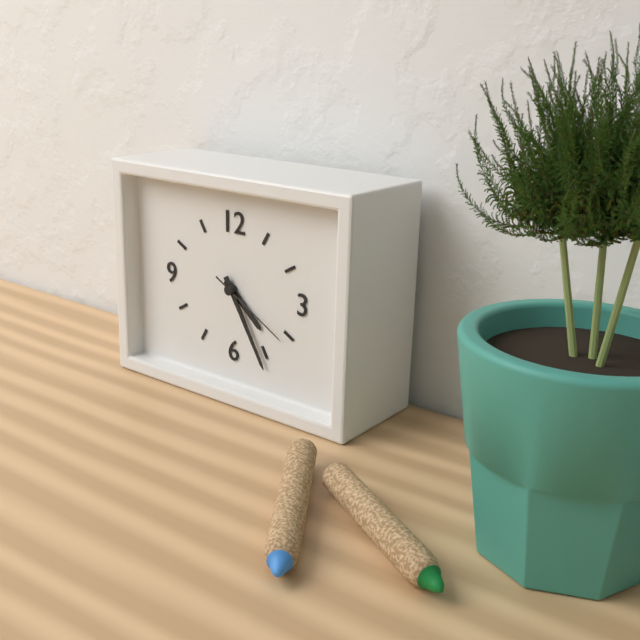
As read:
4,25,20
